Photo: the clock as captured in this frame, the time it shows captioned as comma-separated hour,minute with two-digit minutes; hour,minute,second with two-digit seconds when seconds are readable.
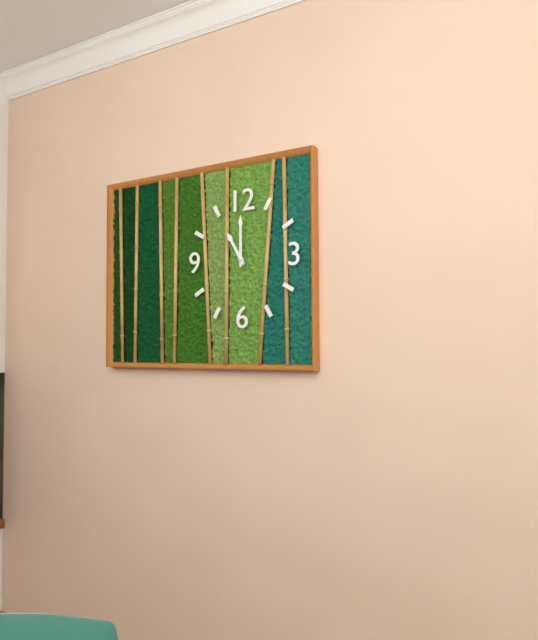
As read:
11,00
